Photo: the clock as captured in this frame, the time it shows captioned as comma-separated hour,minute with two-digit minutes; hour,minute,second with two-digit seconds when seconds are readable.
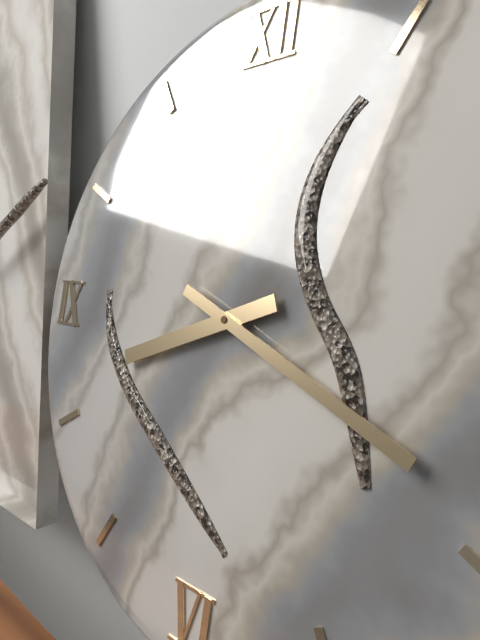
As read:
8,19
